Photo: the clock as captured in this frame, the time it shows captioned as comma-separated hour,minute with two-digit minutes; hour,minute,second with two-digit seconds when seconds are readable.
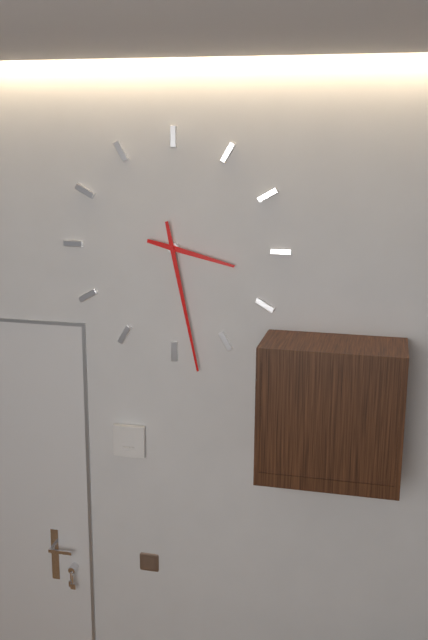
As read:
3,28
